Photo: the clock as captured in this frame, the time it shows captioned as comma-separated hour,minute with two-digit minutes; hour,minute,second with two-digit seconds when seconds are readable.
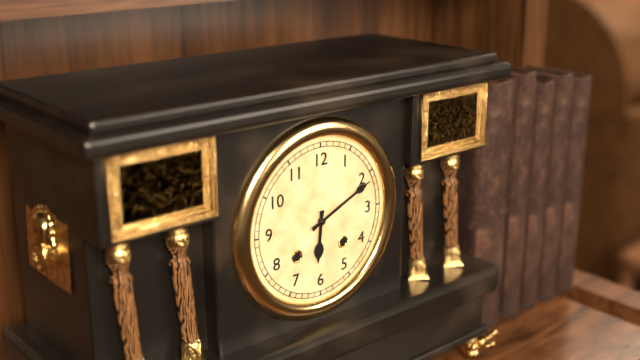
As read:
6,11
